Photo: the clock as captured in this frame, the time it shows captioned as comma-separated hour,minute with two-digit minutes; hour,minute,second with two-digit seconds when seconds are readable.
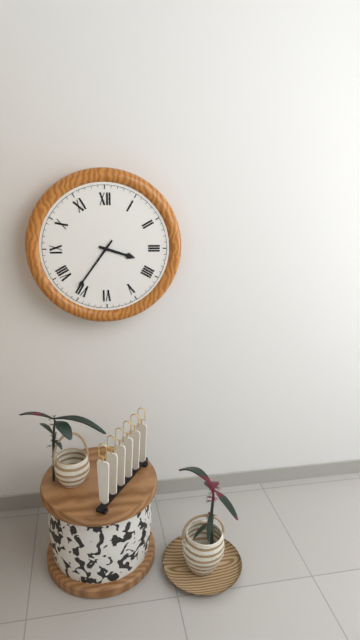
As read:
3,36
